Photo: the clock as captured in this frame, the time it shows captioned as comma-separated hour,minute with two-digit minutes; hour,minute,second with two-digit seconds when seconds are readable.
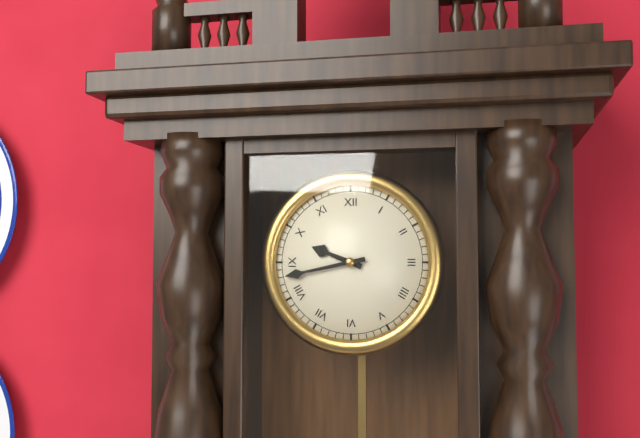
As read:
9,43
